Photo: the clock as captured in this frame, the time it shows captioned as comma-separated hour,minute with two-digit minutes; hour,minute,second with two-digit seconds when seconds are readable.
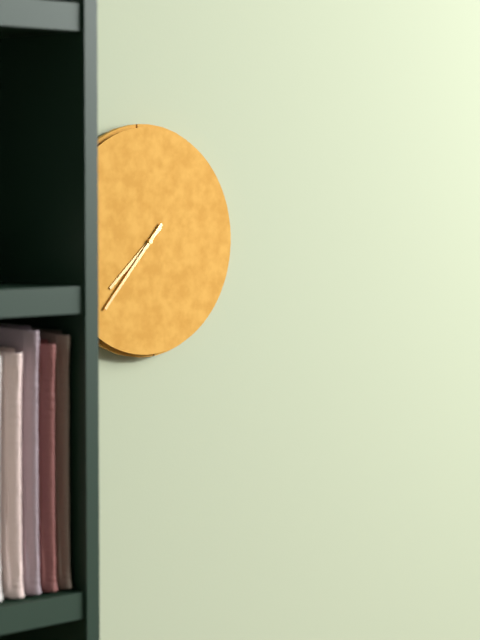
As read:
7,37
